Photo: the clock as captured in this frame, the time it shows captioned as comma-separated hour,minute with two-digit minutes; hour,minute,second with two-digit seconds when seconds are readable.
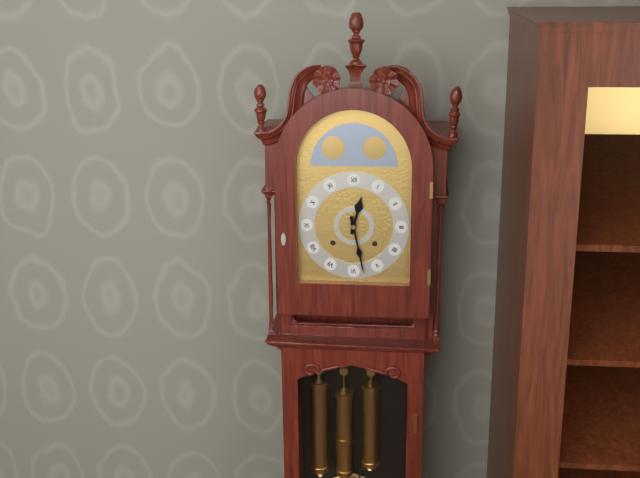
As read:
12,28
